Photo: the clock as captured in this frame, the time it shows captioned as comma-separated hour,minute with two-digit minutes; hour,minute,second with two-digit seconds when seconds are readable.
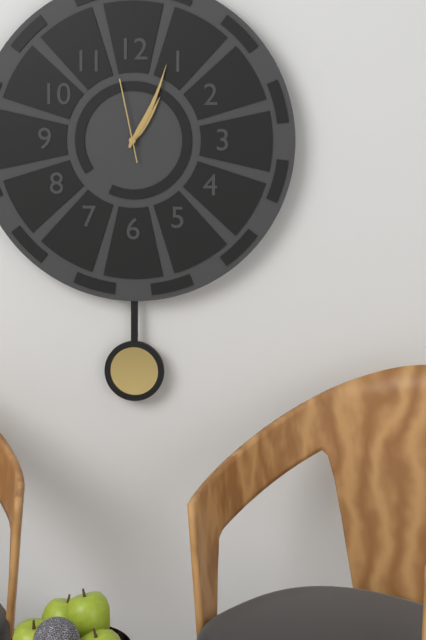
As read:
1,04,58
